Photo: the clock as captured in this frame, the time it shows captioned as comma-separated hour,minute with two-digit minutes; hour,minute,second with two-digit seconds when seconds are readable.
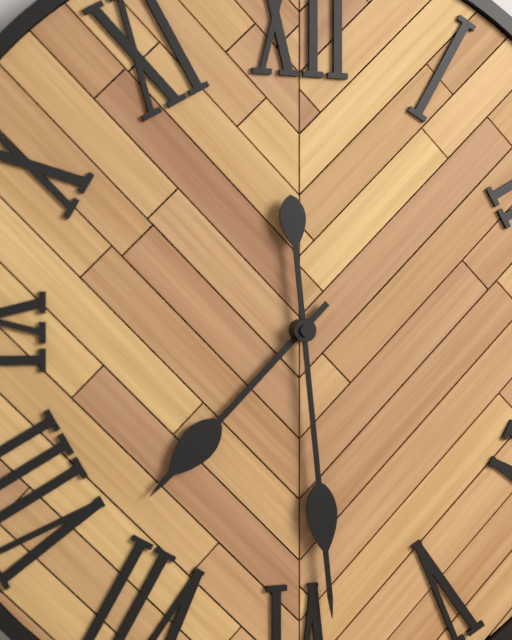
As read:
7,29
